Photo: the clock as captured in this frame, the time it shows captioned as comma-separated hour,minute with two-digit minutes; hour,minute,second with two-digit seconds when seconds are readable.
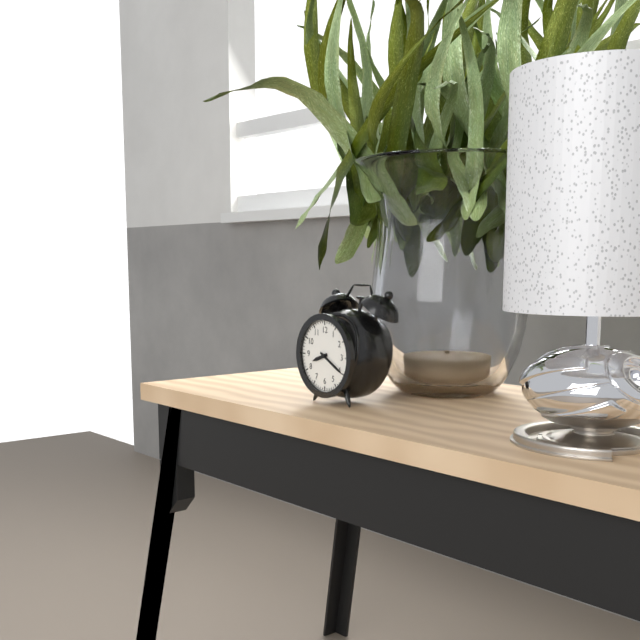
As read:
8,20
